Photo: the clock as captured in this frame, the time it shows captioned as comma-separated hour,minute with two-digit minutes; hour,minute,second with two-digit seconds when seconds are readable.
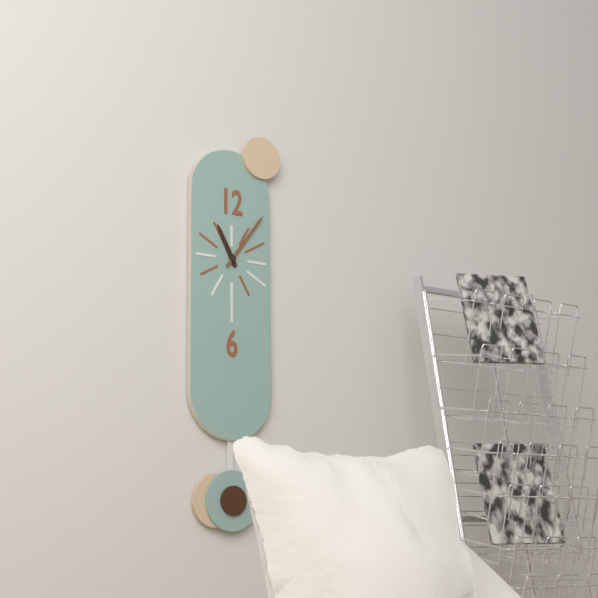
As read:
11,06
